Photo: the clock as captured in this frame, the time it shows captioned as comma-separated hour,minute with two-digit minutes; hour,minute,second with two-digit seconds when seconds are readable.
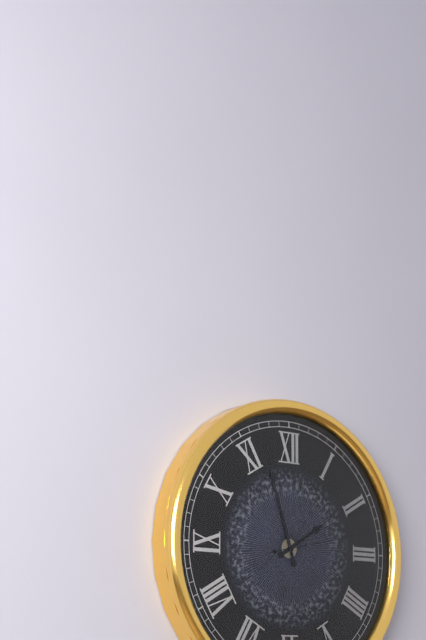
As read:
1,57,13
